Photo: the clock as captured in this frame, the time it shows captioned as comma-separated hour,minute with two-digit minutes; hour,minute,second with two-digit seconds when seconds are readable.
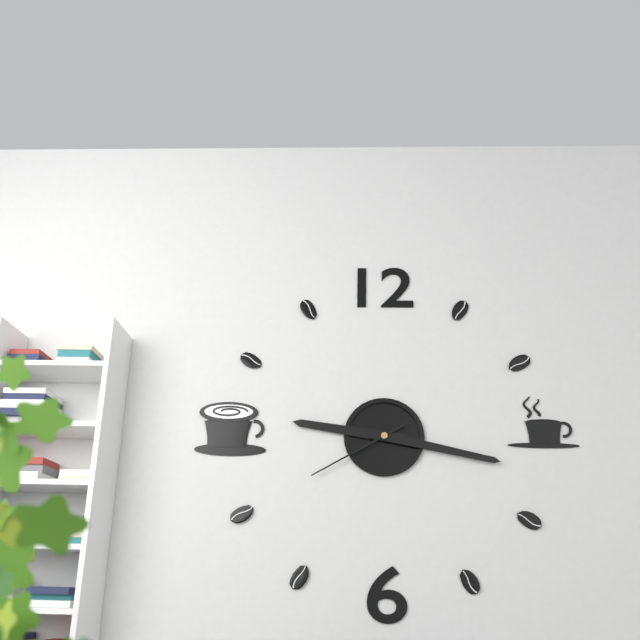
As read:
9,17,40
